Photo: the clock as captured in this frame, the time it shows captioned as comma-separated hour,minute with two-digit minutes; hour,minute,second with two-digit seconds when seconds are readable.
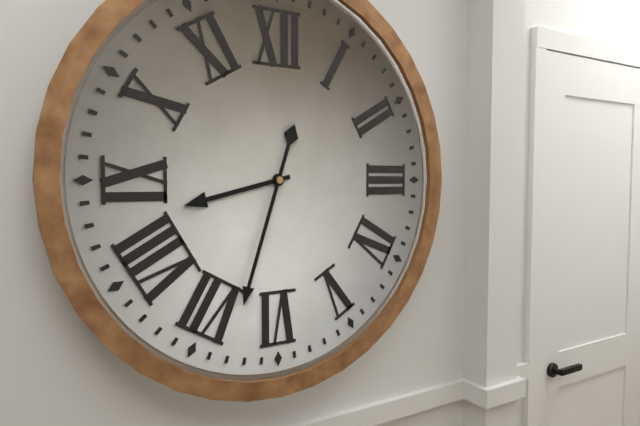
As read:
8,33
